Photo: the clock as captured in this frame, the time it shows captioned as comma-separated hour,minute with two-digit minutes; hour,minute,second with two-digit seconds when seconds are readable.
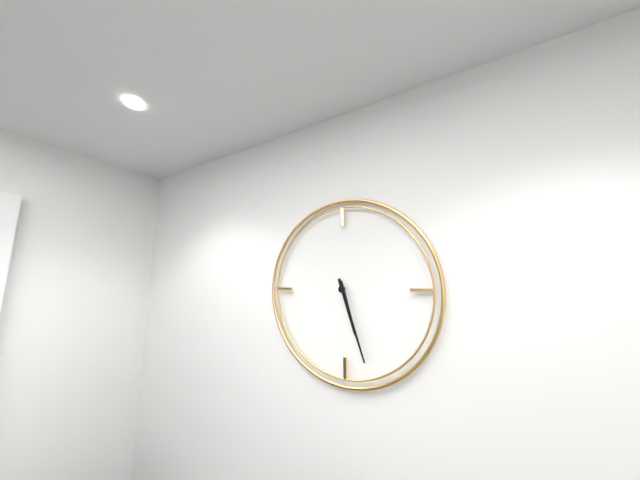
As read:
5,27
